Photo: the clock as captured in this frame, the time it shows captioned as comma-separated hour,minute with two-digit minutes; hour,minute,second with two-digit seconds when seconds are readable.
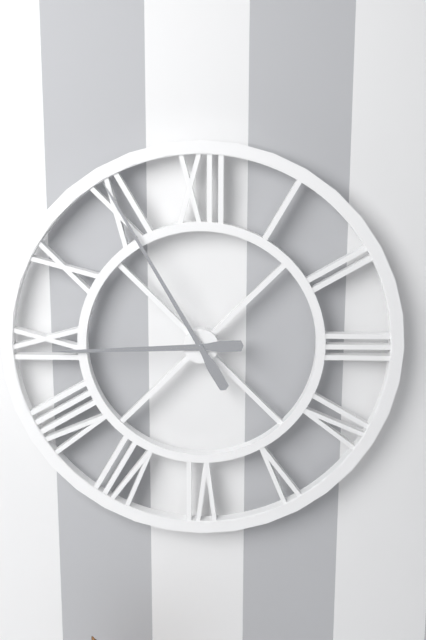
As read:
8,55
